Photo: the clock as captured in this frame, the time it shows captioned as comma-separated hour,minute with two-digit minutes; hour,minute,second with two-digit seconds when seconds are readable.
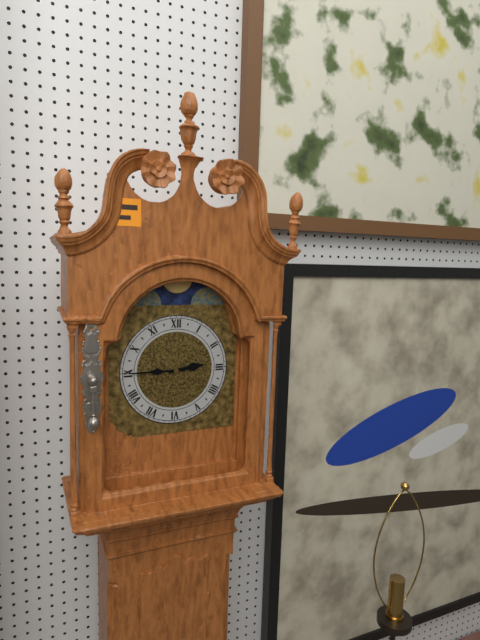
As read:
2,45
